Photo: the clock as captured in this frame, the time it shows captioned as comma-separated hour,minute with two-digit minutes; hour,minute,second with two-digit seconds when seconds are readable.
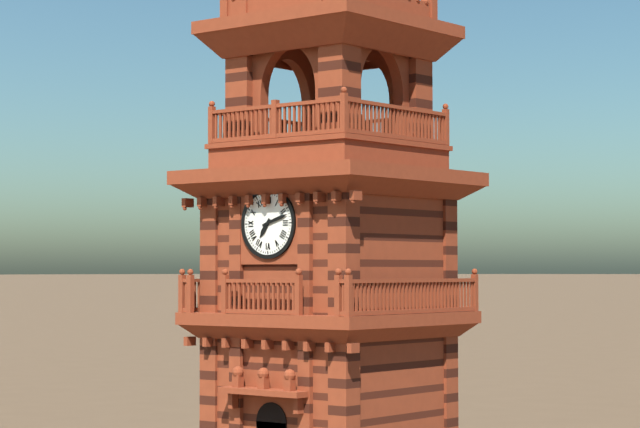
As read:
7,12
